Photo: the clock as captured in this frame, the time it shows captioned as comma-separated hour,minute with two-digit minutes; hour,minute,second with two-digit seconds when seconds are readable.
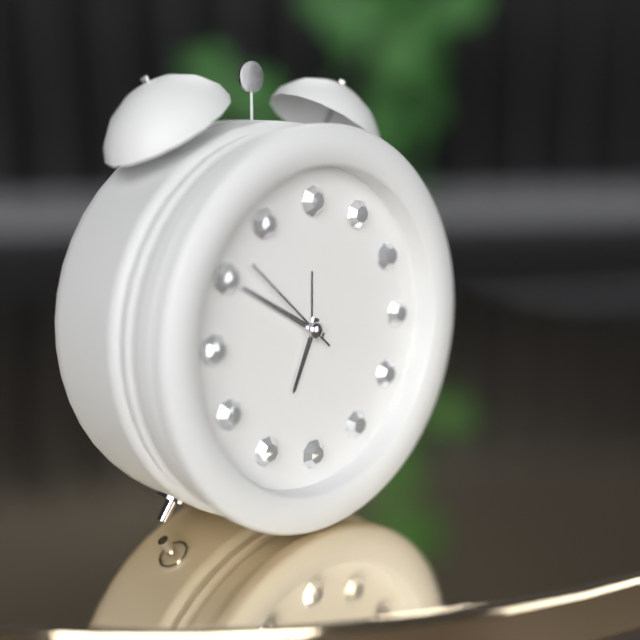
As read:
6,50,52
